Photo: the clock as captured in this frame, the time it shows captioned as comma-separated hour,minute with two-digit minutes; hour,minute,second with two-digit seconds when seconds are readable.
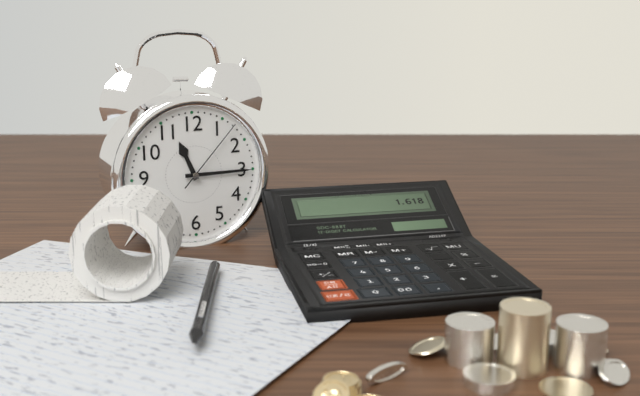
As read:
11,15,07
